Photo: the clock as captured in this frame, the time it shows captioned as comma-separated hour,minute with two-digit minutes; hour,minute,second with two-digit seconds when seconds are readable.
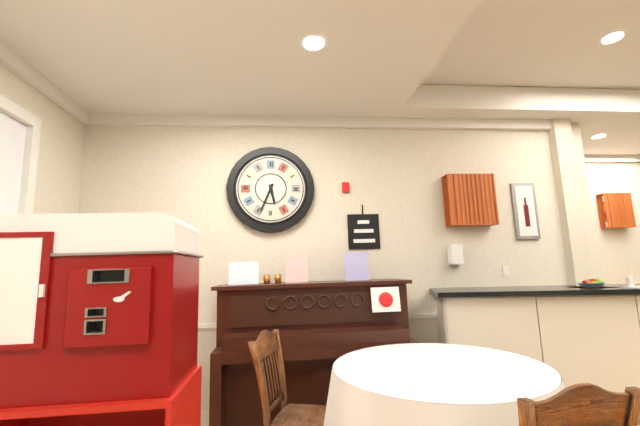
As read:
5,34
